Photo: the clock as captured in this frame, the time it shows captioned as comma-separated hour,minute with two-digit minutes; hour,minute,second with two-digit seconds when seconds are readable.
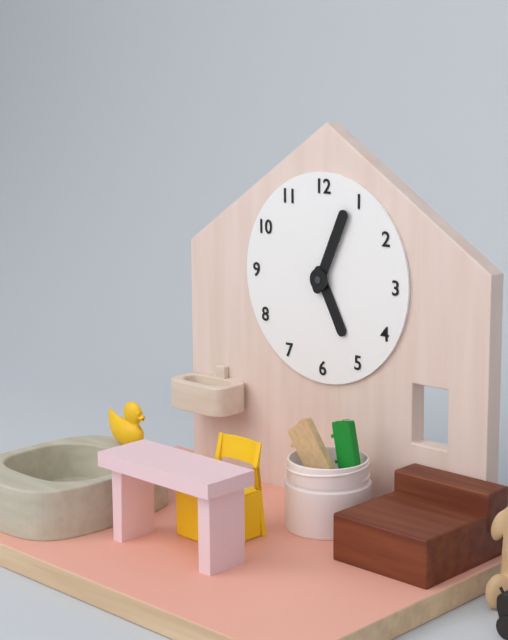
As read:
5,04
